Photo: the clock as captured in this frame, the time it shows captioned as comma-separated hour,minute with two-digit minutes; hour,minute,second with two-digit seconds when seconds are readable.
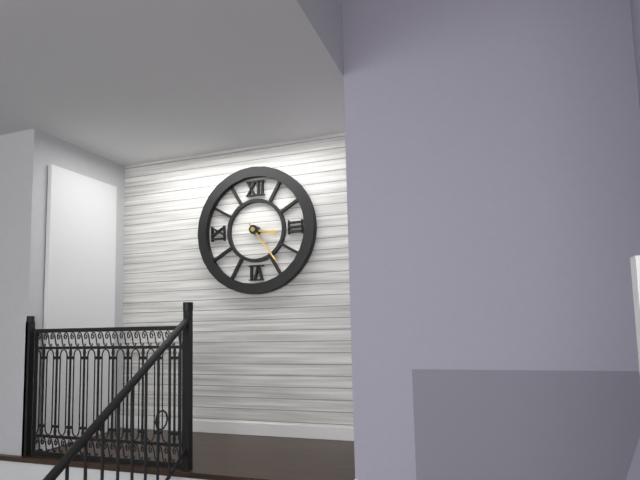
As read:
3,24
